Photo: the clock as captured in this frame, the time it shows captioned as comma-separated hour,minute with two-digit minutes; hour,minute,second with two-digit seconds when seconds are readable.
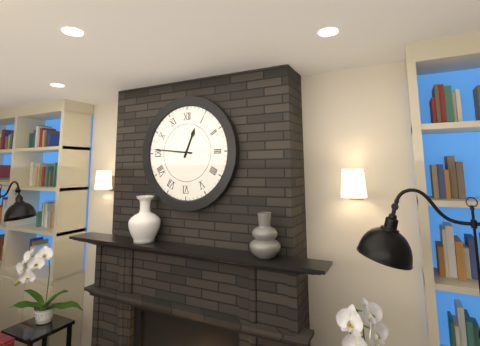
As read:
12,46
